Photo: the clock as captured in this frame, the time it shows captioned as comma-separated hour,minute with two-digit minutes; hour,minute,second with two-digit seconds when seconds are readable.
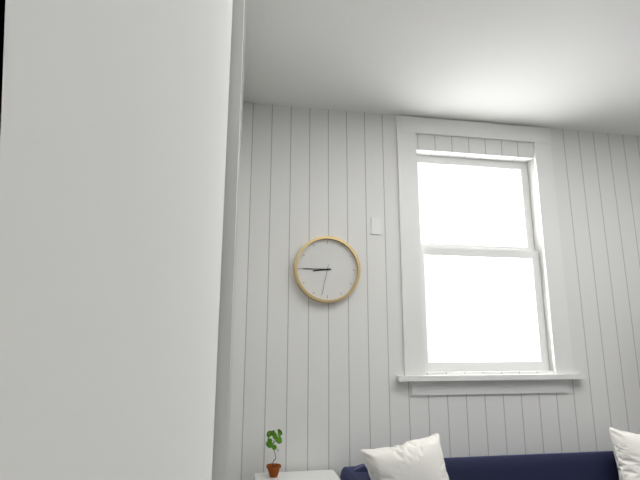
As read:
8,45
